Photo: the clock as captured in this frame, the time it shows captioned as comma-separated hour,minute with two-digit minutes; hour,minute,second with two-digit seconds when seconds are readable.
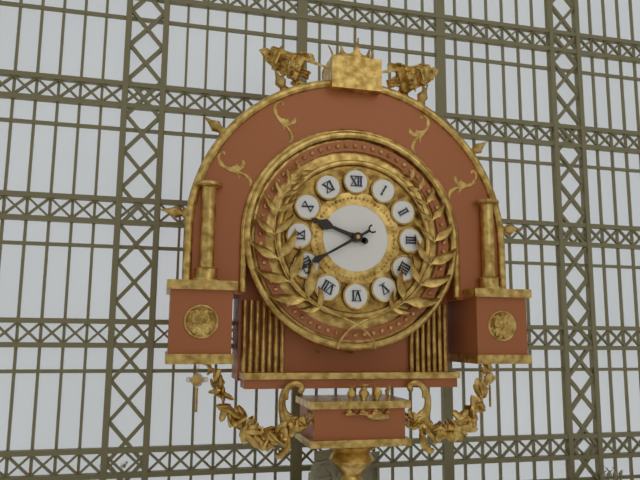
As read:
9,40
